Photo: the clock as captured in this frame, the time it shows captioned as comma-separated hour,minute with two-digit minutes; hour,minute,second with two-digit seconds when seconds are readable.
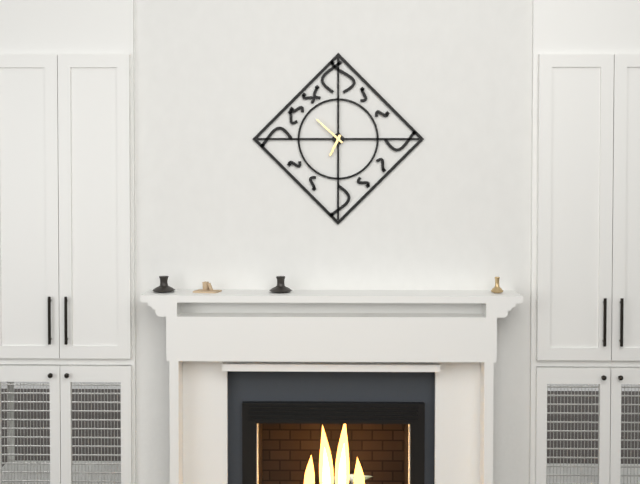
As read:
6,52
